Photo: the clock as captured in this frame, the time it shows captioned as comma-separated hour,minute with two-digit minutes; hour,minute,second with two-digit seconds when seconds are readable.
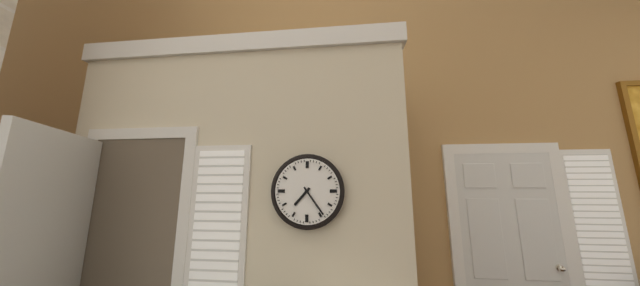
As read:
7,24
